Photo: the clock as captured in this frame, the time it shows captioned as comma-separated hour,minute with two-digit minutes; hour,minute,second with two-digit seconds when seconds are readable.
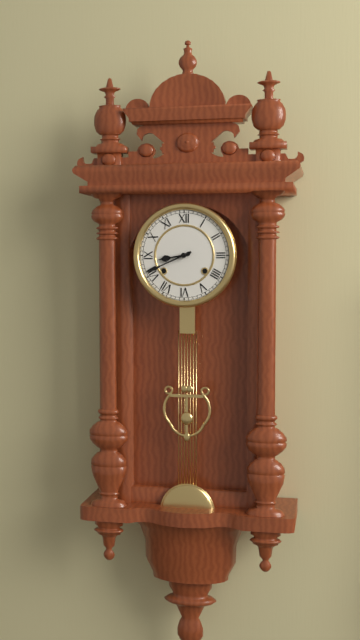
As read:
8,41
